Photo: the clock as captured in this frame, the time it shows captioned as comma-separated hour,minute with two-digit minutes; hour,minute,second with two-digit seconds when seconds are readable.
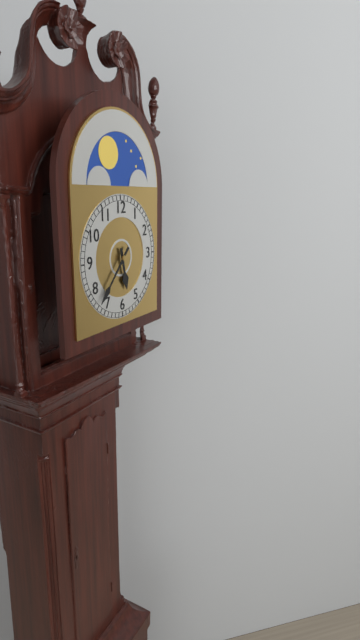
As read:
5,37
